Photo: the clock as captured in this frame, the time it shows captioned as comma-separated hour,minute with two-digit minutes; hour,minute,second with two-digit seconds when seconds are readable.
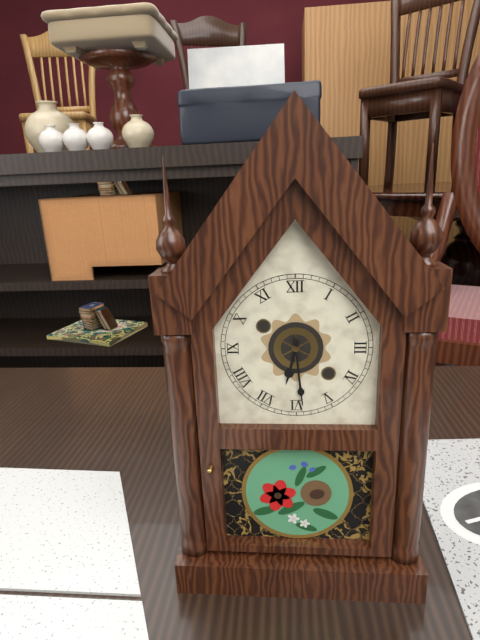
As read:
6,29
